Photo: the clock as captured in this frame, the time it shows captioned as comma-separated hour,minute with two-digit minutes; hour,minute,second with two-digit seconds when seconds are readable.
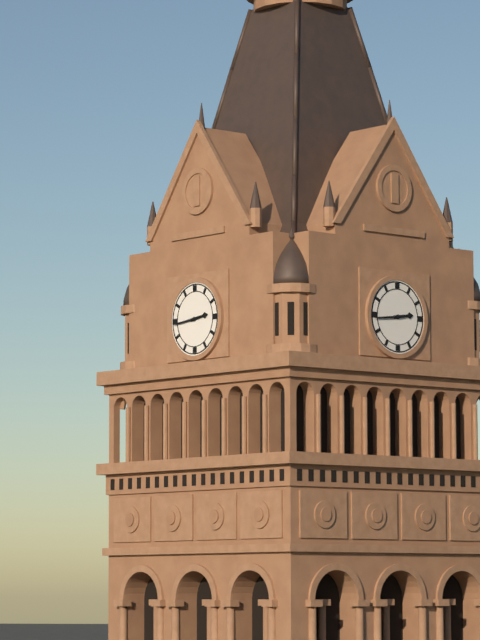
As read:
2,44
